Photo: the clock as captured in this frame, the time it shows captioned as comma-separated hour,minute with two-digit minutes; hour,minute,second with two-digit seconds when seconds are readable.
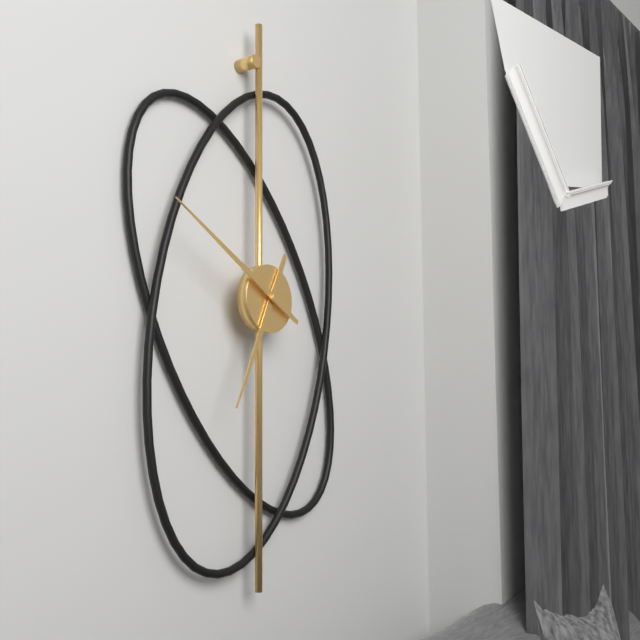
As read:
6,50
